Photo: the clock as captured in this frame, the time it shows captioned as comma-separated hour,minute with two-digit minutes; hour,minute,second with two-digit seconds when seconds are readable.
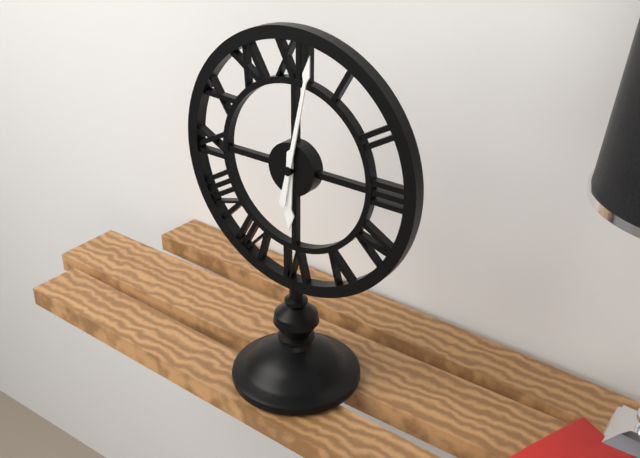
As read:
6,02
